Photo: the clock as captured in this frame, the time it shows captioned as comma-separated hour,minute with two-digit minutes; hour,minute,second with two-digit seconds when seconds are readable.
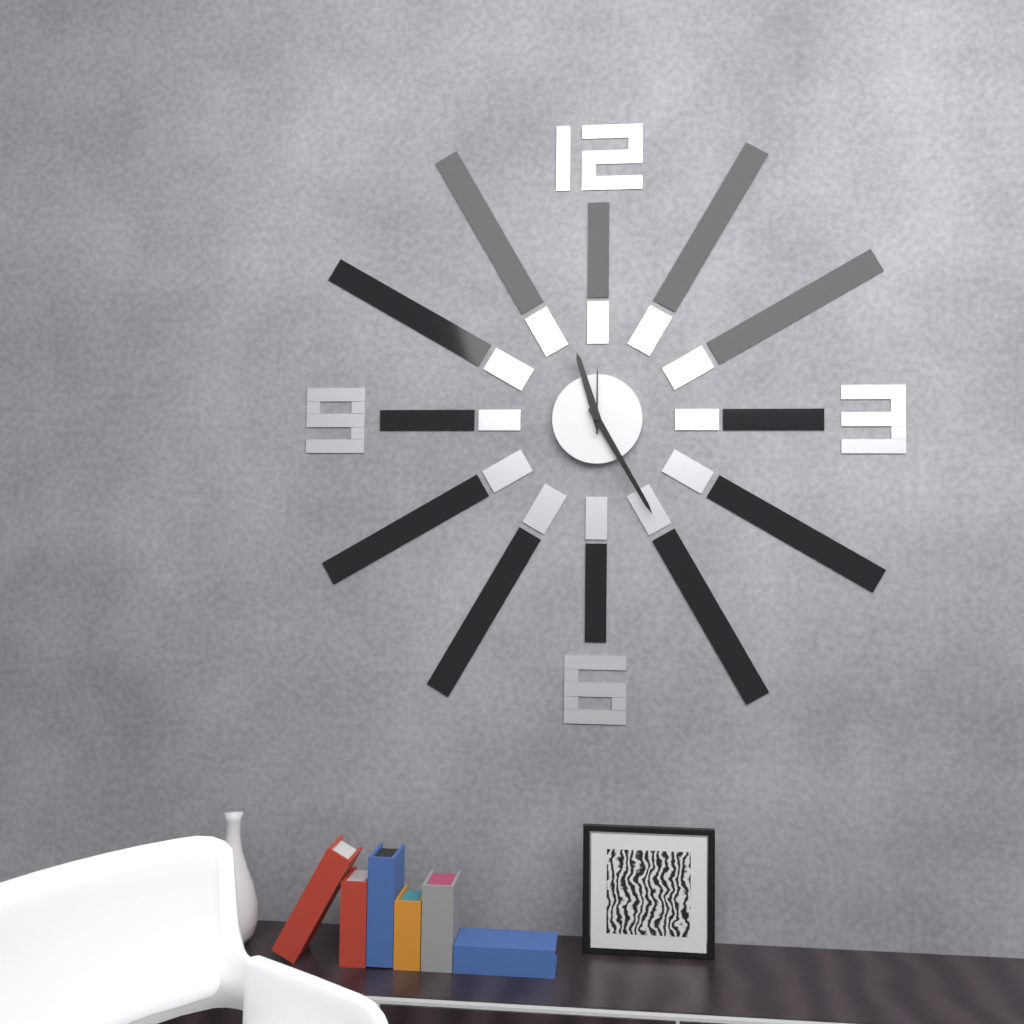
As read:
11,25,00
